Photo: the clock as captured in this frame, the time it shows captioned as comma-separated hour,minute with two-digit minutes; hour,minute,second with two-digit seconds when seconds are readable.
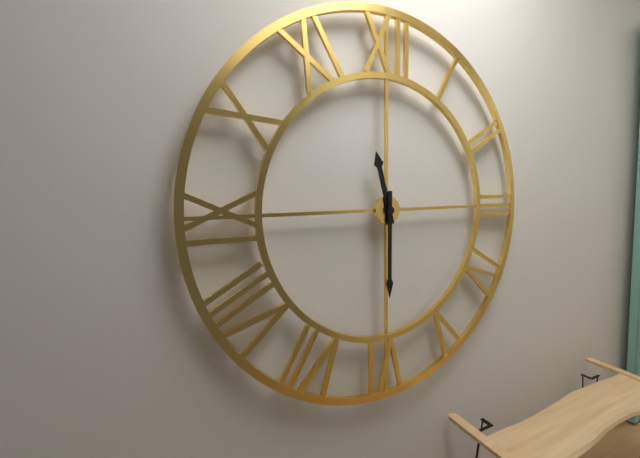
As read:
11,30
